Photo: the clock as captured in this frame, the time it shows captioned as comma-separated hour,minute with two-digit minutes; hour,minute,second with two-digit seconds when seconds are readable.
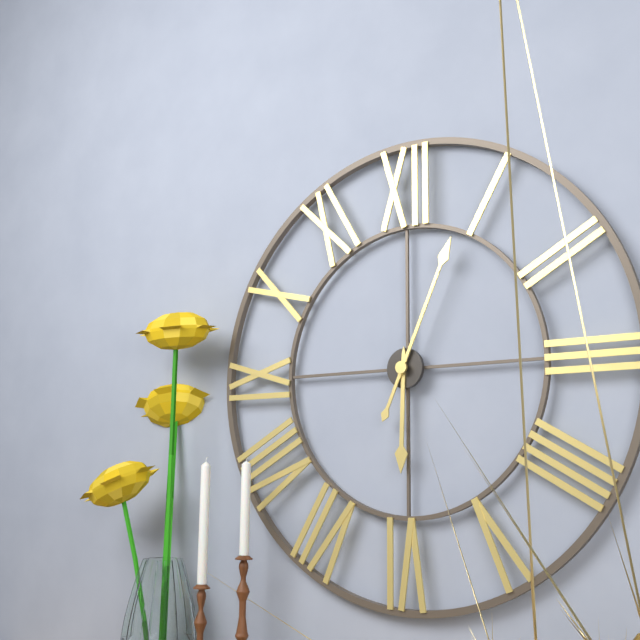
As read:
6,04
